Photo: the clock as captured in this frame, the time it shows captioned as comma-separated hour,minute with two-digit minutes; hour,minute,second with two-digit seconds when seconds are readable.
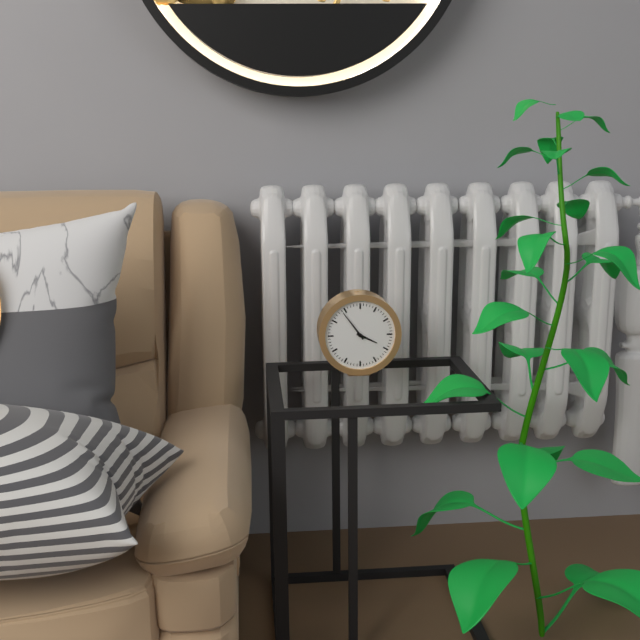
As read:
3,54
